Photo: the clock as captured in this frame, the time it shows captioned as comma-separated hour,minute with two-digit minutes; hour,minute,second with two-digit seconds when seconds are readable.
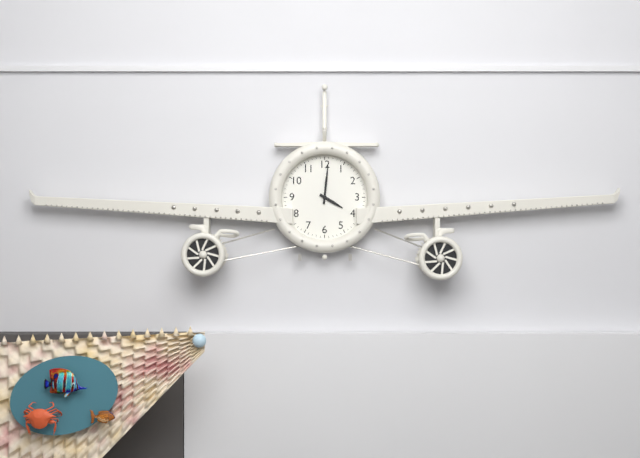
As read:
4,01
